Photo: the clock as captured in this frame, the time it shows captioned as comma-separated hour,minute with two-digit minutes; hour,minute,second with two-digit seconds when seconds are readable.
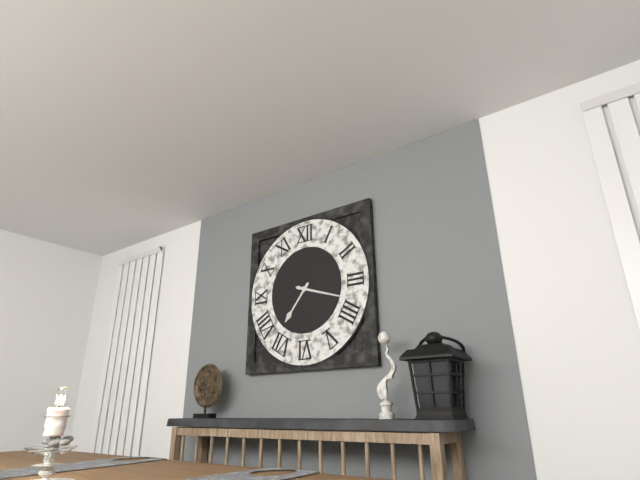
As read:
7,18
